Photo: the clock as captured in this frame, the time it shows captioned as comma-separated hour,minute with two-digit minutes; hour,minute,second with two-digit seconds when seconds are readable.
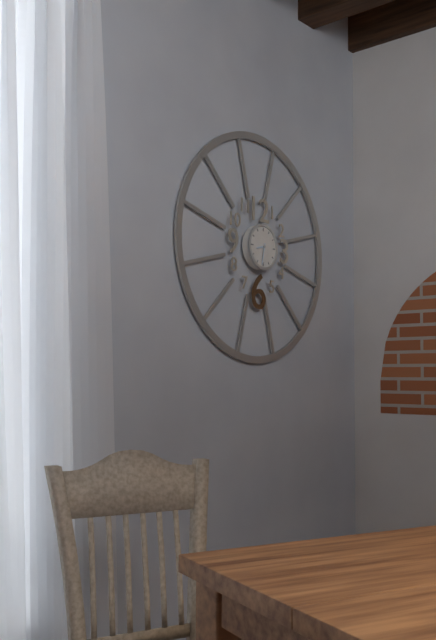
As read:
8,32
